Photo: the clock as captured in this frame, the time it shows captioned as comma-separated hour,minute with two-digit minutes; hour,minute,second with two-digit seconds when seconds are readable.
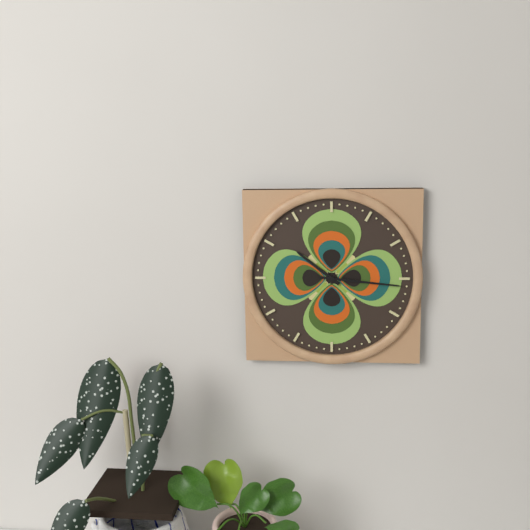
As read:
10,16
